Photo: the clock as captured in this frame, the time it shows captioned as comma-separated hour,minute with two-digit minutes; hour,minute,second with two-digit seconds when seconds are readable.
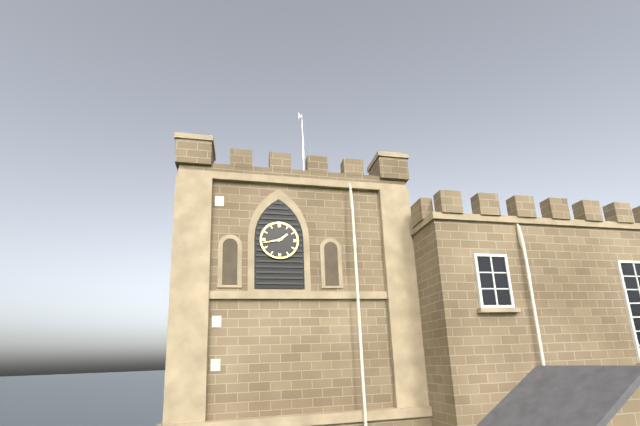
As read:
1,43
